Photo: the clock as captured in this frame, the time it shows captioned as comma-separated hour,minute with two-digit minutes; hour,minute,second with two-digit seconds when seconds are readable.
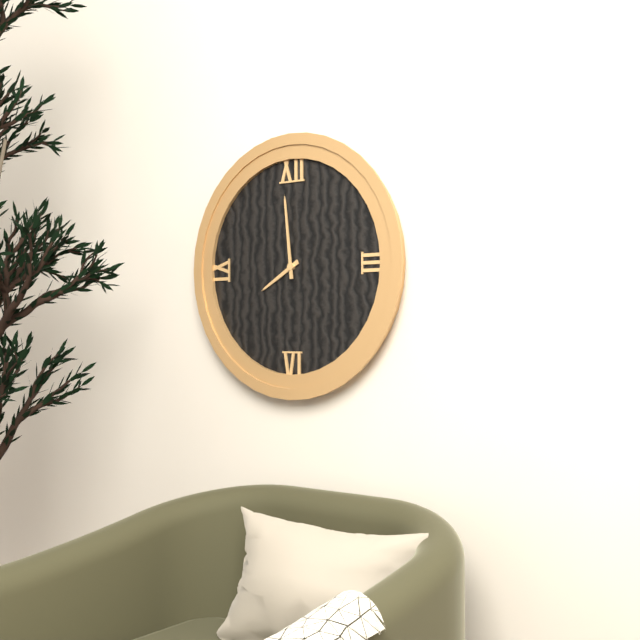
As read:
7,59
